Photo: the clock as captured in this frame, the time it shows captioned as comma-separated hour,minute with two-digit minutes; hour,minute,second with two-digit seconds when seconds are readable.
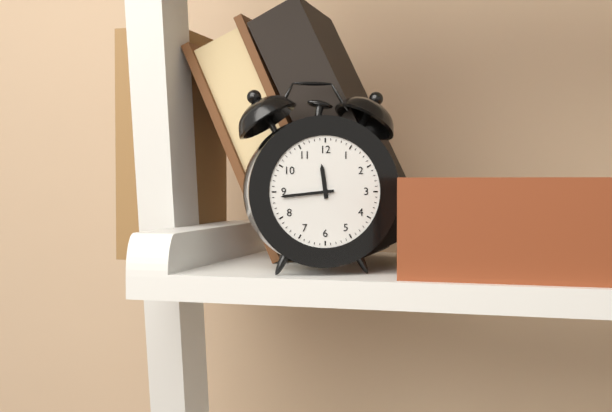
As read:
11,44
